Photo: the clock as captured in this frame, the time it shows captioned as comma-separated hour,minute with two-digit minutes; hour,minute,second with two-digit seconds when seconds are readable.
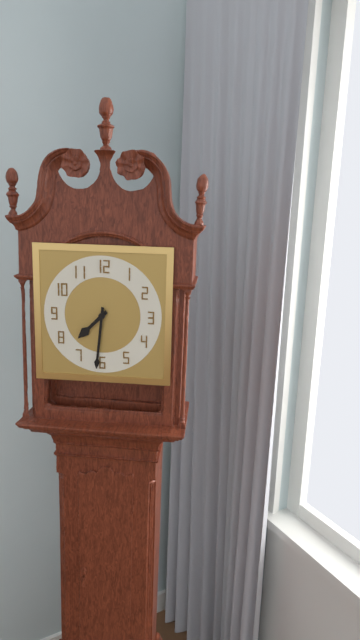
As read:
7,31
